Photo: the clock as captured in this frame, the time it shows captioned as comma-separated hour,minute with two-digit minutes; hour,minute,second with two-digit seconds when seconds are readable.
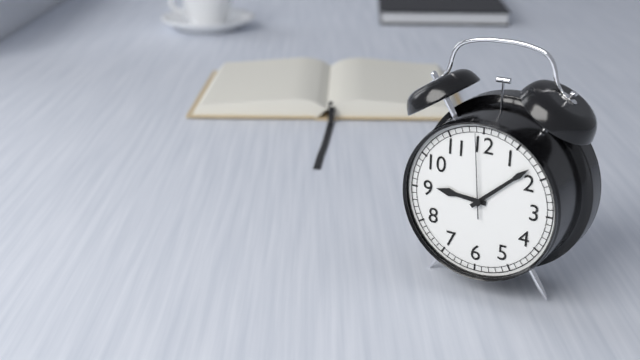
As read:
9,08,59
